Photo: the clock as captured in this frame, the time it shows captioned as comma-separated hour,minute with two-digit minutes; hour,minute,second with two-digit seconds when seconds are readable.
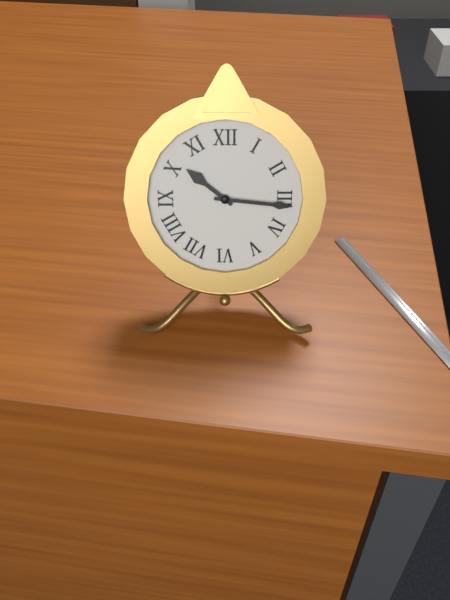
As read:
10,16
